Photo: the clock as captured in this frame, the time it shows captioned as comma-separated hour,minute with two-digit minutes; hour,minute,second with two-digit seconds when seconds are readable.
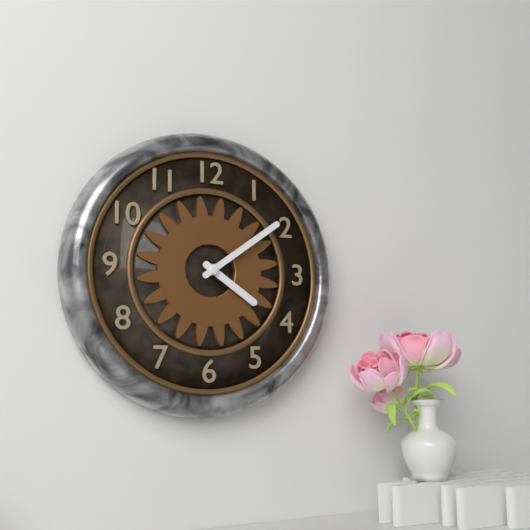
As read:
4,09
